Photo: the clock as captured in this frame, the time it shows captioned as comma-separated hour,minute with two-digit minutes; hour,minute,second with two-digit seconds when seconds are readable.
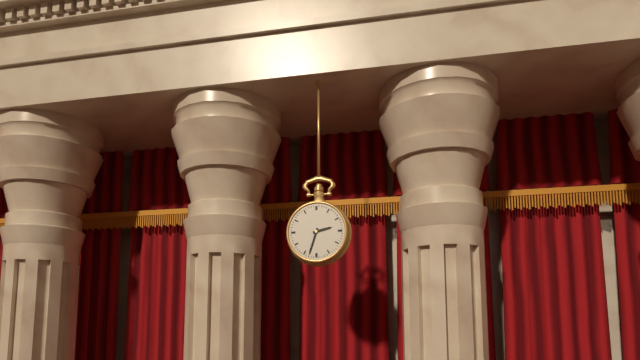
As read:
2,33
